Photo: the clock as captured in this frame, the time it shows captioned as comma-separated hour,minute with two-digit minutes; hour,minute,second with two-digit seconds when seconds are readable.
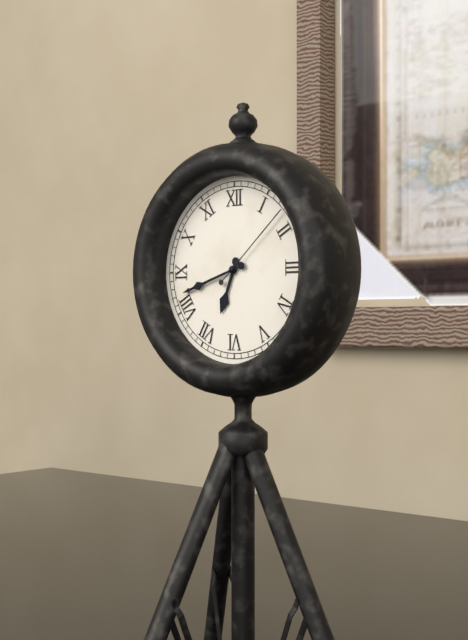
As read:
6,42,08
